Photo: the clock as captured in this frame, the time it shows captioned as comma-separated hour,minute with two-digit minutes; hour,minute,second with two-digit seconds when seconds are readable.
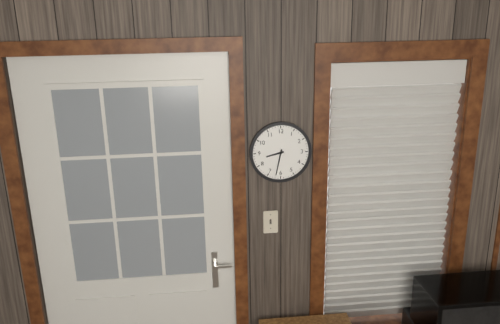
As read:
8,32
